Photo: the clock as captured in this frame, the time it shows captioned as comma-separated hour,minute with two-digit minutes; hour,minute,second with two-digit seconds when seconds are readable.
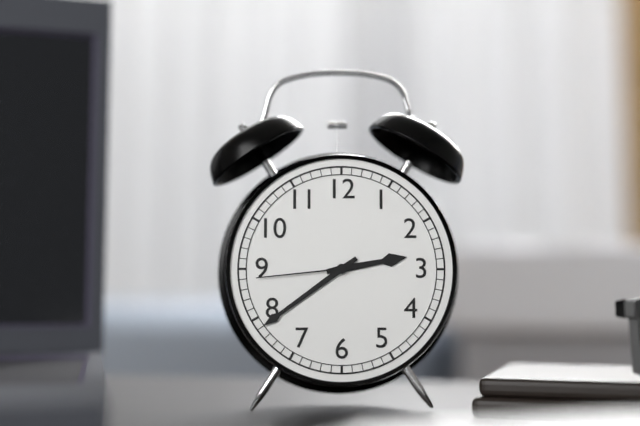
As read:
2,39,44
